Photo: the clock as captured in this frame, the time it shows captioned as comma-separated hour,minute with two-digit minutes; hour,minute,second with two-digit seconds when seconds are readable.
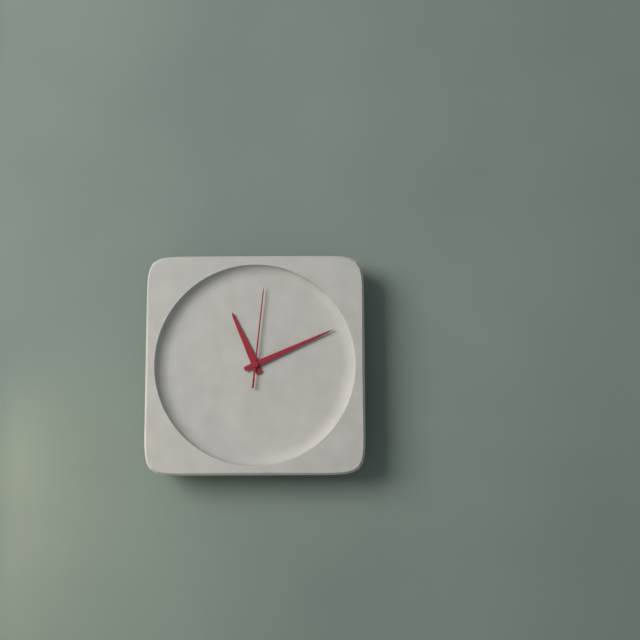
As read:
11,11,01
